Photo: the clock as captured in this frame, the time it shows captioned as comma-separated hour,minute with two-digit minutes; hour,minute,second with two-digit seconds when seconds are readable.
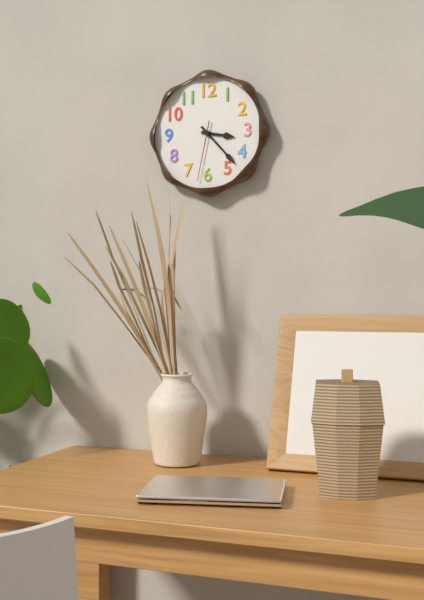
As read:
3,23,32
